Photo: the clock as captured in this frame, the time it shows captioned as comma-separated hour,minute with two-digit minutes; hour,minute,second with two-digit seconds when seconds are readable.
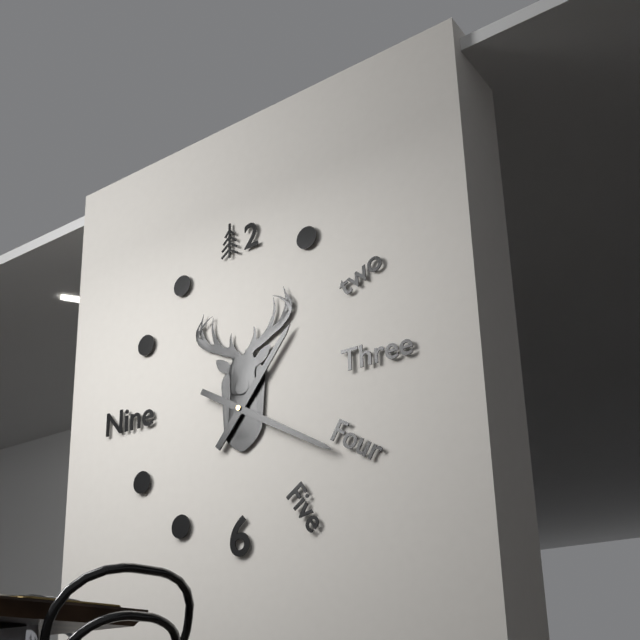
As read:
1,20
